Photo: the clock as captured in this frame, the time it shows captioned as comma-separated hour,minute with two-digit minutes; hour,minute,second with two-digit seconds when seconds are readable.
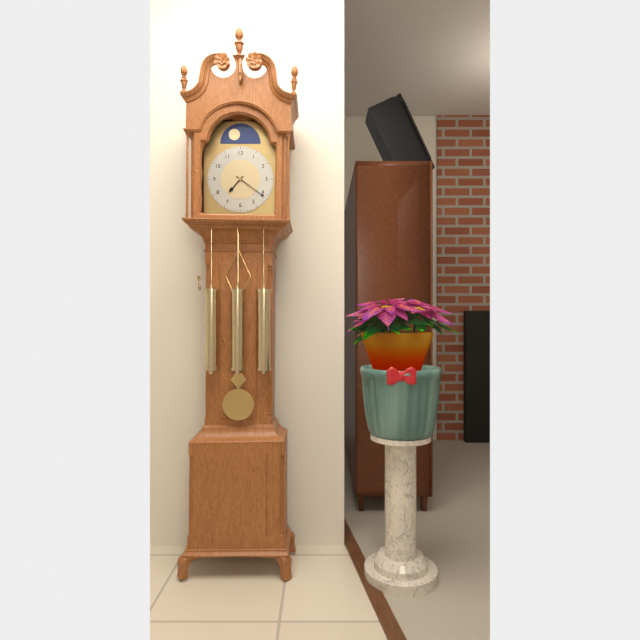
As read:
7,21
